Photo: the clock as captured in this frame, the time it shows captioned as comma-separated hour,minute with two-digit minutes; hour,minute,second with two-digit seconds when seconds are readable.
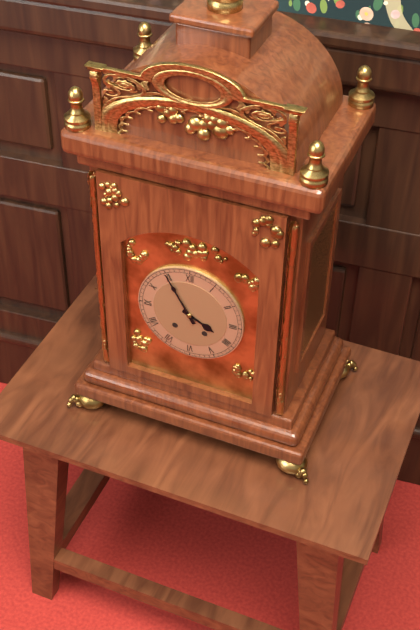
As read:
3,55
